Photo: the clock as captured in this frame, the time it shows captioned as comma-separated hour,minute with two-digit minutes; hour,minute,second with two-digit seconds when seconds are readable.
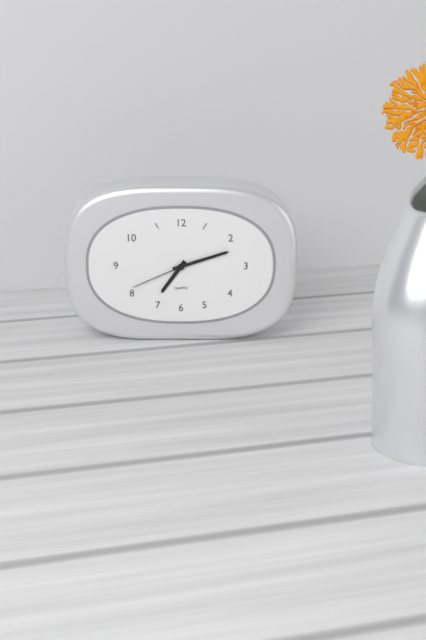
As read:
7,12,41
